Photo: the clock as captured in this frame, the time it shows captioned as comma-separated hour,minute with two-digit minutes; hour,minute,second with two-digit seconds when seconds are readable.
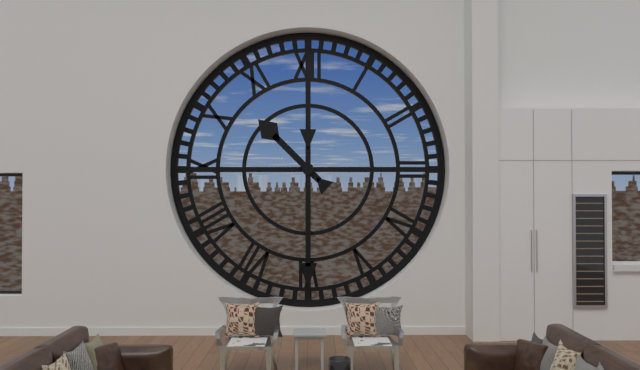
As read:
10,30
